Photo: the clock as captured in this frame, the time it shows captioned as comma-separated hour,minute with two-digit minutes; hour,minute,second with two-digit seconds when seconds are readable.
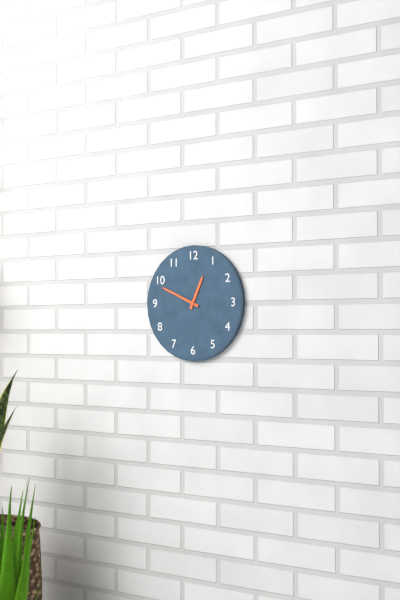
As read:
12,49
